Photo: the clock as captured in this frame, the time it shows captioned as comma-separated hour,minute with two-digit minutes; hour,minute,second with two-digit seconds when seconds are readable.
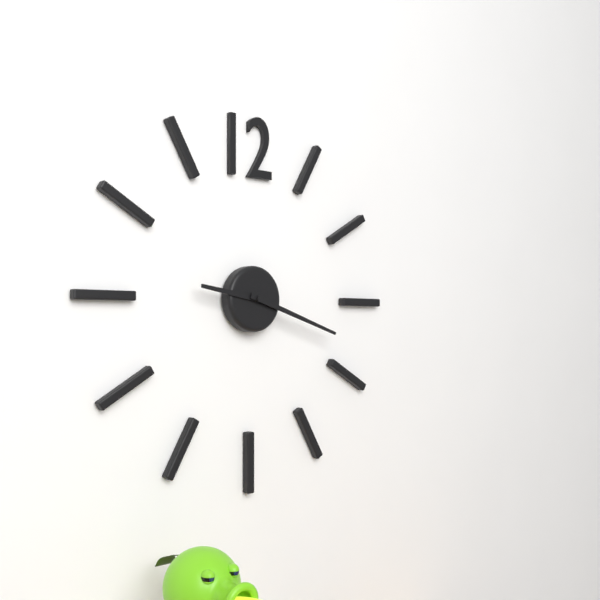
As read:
9,18
